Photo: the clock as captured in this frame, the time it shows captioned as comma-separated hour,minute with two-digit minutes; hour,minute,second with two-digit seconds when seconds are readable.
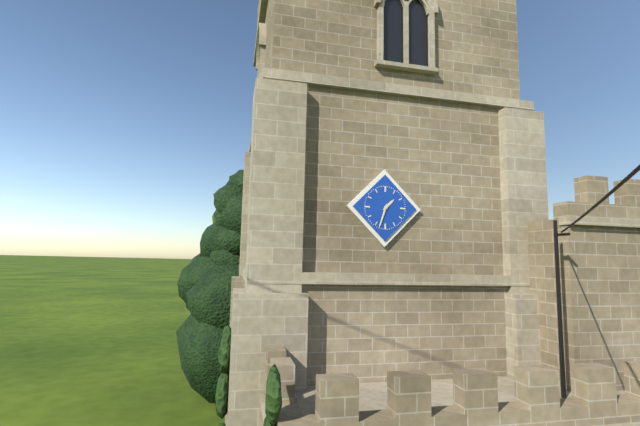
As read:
1,33
